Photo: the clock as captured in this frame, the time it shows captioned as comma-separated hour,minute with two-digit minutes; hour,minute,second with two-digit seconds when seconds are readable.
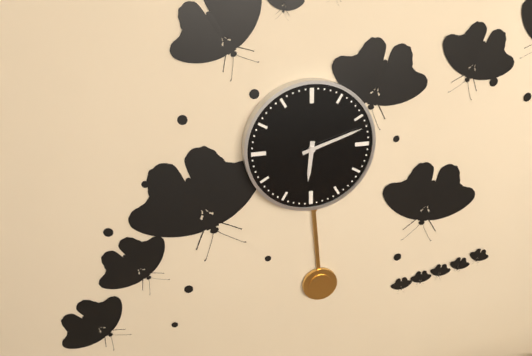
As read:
6,12
